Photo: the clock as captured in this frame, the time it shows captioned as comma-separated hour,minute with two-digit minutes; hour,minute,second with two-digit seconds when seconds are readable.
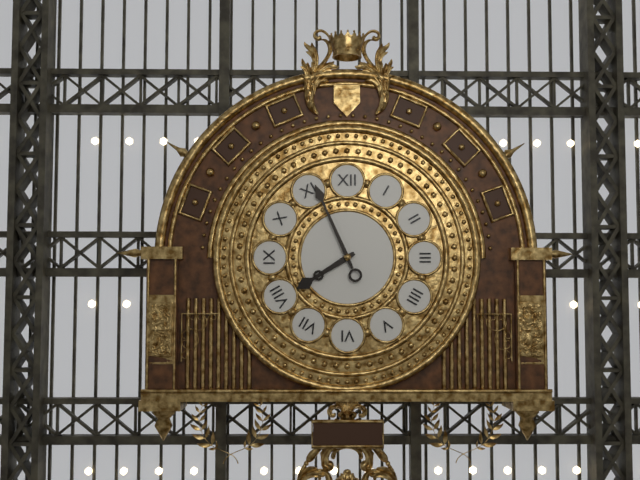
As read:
7,56
